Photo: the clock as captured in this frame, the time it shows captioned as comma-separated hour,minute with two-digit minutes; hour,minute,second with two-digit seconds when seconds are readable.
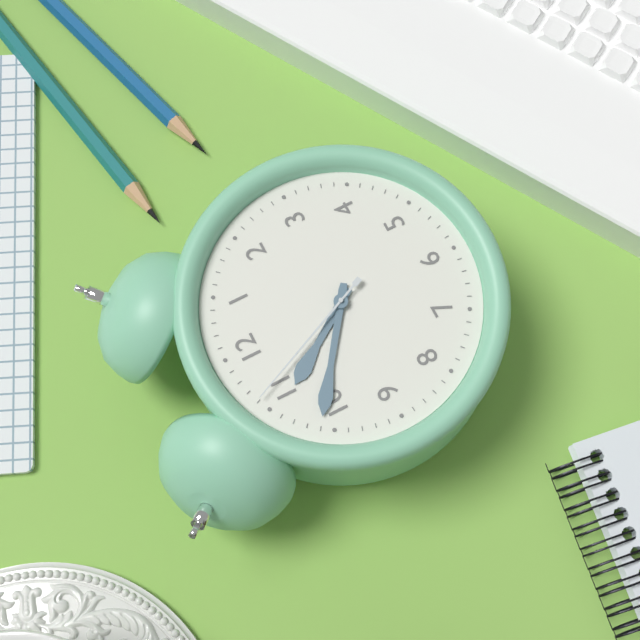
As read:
10,51,56
